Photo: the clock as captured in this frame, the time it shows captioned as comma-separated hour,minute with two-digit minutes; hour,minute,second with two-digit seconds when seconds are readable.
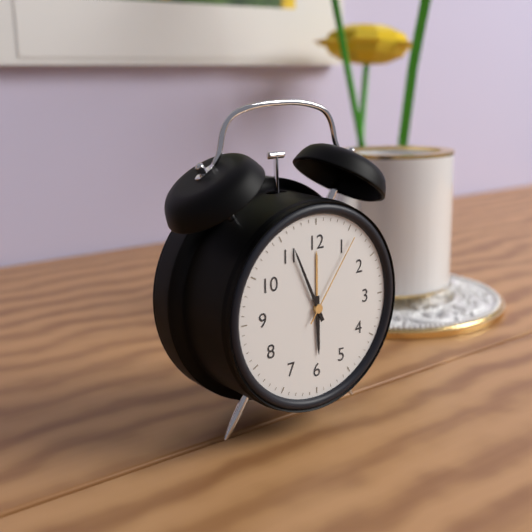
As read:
5,56,06
